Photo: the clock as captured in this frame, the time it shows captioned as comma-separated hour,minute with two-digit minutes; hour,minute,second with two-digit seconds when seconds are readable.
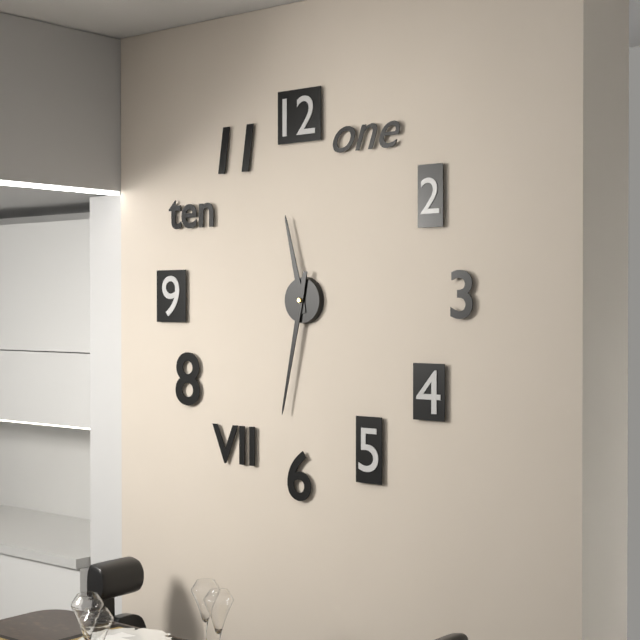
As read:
11,32
